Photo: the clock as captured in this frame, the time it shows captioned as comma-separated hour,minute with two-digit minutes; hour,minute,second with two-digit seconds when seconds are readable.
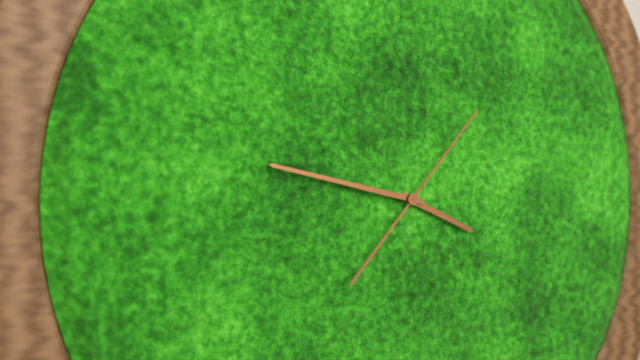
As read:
3,47,07
